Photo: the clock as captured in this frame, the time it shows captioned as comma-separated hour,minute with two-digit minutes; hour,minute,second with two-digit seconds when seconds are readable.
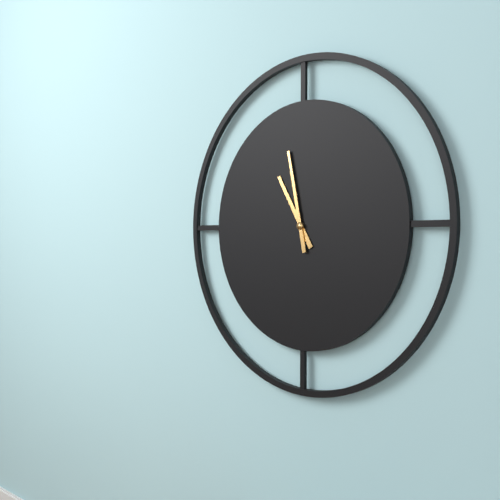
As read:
10,58
